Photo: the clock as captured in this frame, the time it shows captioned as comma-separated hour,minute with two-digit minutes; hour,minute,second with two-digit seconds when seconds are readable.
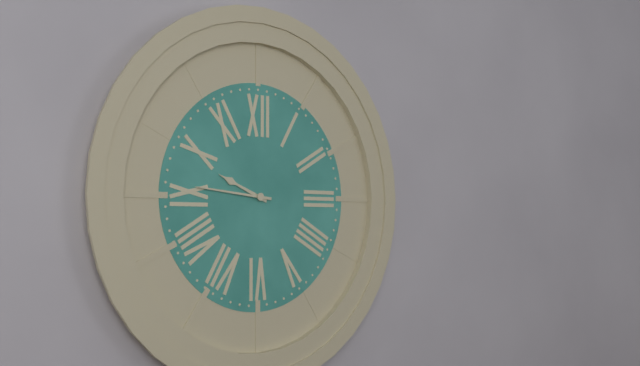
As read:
9,46
